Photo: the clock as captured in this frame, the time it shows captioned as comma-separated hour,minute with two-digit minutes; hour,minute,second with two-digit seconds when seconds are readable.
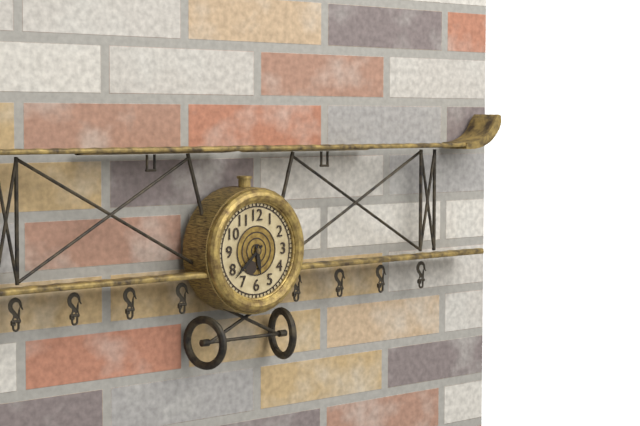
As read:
5,38
